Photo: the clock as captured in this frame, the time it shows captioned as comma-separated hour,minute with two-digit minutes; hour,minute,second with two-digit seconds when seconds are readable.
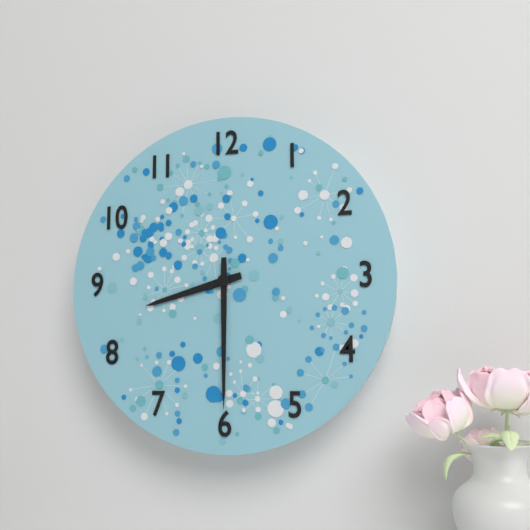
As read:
8,30
